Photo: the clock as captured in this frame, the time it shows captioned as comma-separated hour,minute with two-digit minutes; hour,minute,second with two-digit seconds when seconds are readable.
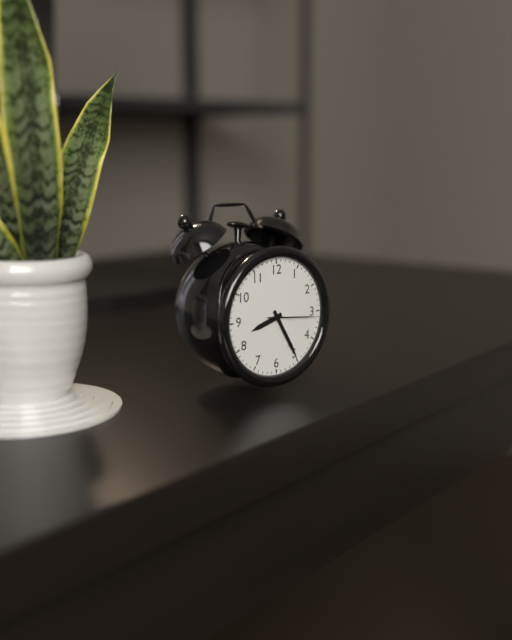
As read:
8,25,16
